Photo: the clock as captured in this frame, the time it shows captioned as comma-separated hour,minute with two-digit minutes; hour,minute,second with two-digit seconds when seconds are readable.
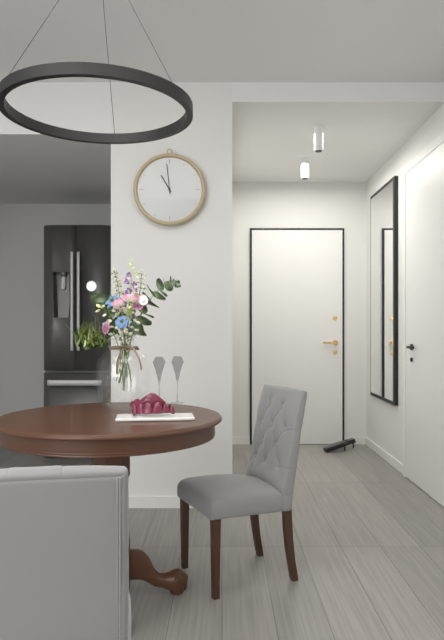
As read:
10,59
